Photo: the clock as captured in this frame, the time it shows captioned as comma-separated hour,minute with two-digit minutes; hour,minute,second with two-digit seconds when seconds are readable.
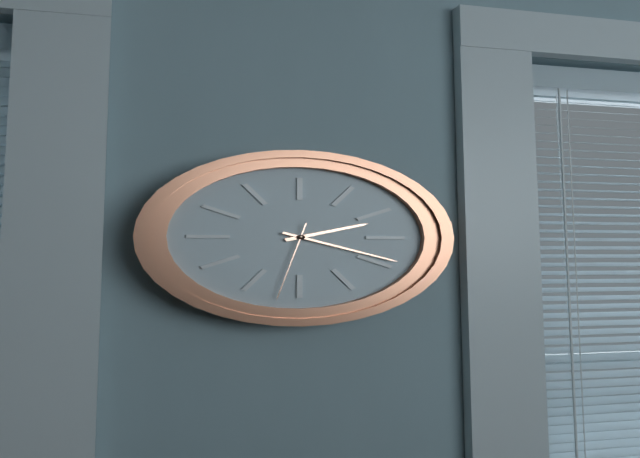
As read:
2,19,32
